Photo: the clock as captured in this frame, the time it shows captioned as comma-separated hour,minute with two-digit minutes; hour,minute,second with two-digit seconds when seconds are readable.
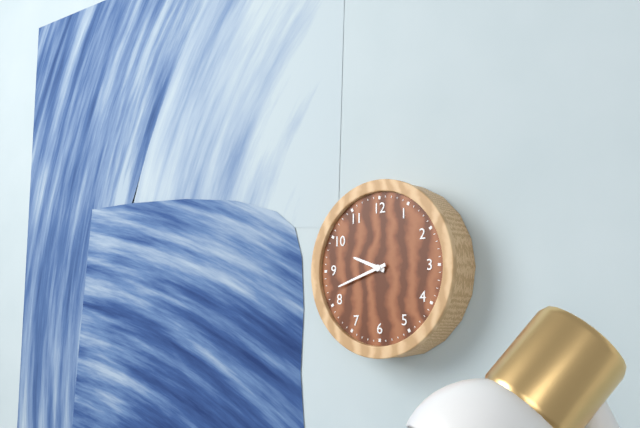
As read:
9,42
